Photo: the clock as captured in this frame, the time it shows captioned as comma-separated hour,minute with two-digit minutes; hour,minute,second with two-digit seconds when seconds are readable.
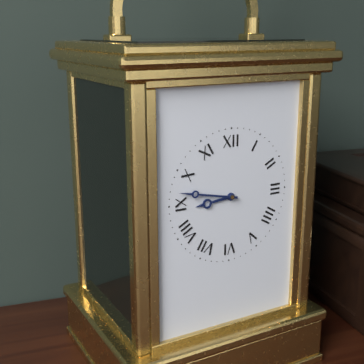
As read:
8,47
